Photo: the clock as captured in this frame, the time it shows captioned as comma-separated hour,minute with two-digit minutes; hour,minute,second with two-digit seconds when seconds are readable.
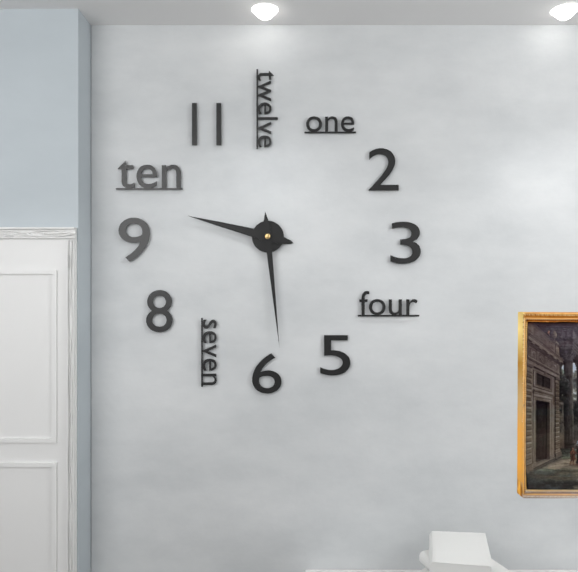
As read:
9,29
